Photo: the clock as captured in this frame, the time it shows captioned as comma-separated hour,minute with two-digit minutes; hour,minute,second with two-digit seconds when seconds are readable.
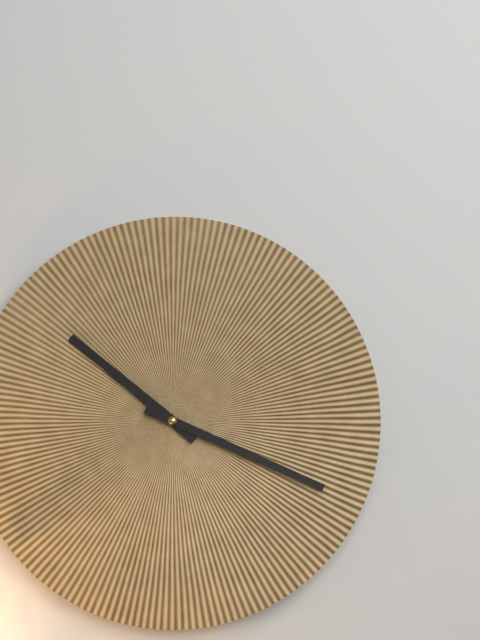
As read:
10,19
